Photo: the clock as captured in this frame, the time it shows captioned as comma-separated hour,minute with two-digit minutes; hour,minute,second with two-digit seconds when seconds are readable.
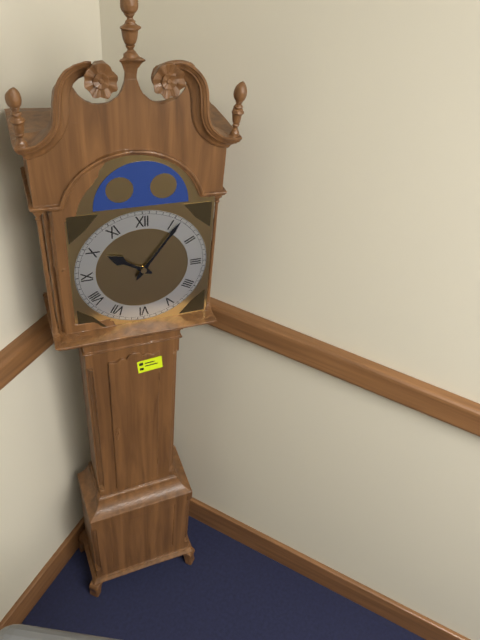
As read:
10,06
